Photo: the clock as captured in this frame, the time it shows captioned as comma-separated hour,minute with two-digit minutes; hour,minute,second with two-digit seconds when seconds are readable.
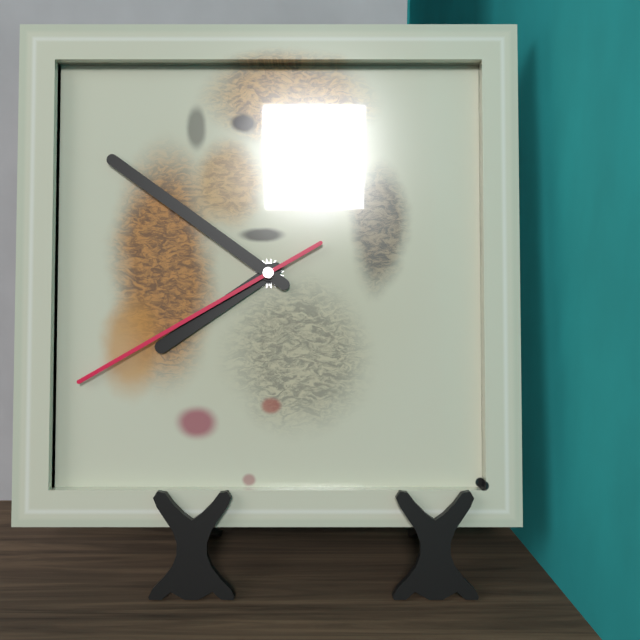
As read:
7,51,40
